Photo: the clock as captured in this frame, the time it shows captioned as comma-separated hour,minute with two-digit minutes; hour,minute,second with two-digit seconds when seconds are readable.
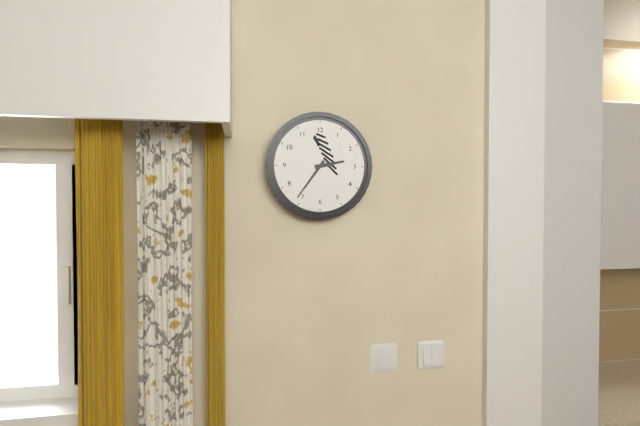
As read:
2,36
